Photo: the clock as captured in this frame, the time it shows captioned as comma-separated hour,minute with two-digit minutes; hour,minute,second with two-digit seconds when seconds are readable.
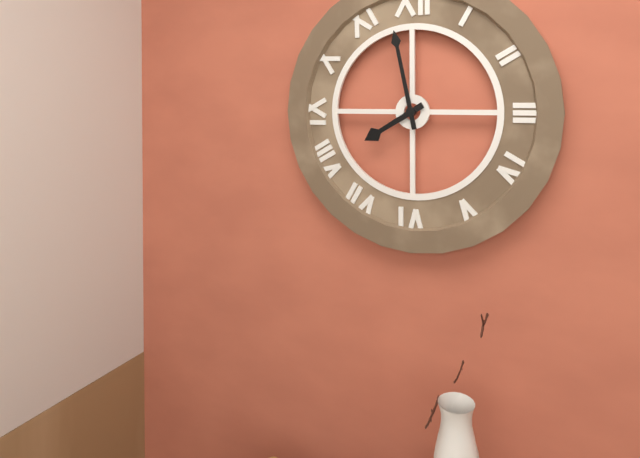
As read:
7,58
